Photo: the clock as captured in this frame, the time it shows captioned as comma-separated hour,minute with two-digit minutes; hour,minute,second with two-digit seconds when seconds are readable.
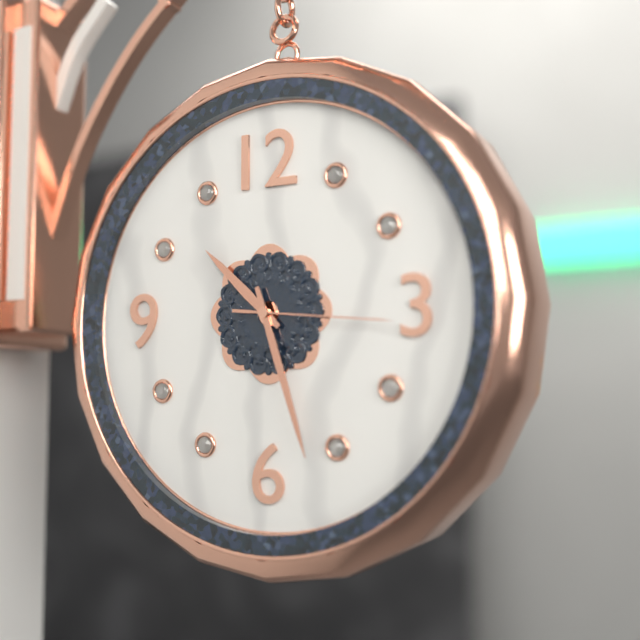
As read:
10,27,16
